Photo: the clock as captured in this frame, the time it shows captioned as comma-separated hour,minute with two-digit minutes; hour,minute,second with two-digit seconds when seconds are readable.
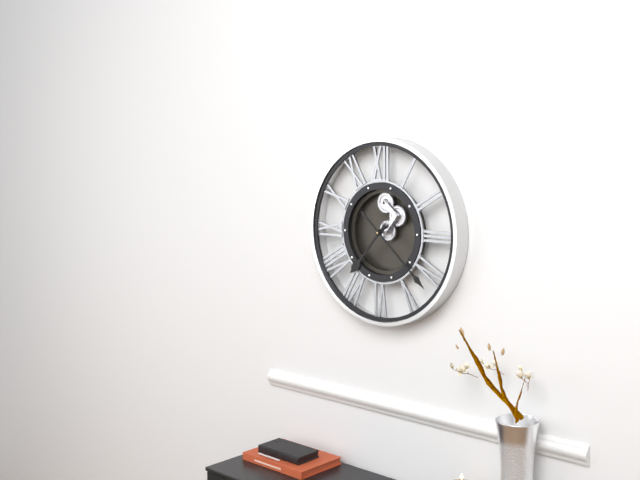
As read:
7,22
